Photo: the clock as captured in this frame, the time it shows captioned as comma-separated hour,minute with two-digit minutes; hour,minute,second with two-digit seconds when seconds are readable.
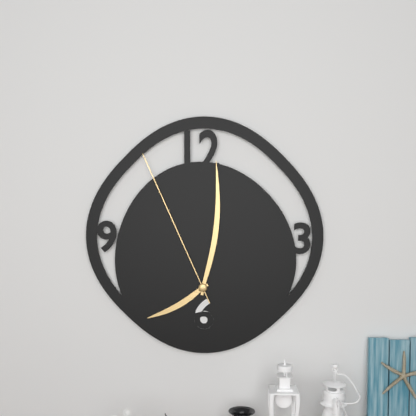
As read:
8,01,56
